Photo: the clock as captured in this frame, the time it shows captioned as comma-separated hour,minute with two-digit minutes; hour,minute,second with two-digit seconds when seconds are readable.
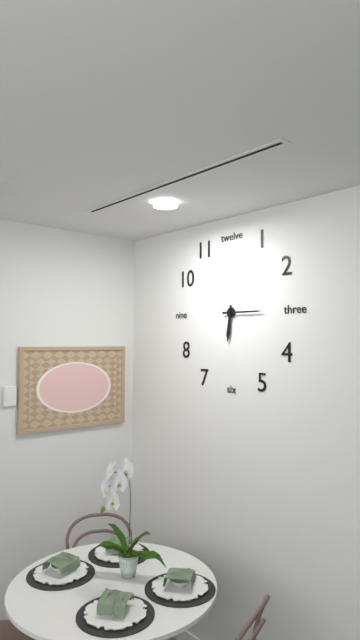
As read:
6,15
